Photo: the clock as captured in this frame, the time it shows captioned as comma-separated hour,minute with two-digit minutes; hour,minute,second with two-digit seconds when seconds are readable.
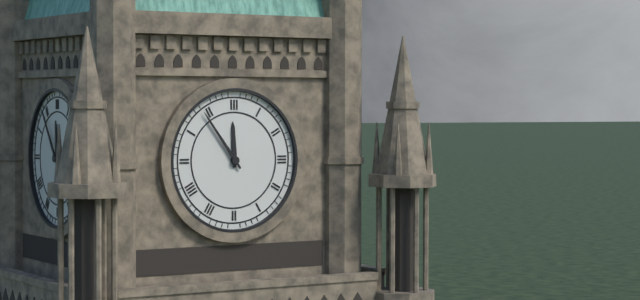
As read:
11,54
